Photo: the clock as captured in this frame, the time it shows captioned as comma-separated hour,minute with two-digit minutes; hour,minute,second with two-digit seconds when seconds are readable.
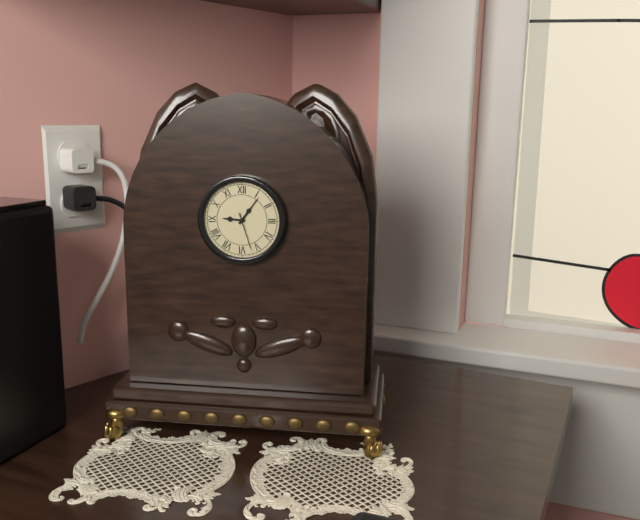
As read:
9,06
